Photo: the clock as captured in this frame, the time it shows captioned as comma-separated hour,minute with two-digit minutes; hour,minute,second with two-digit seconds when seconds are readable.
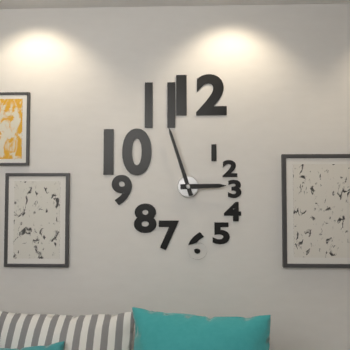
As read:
2,57
